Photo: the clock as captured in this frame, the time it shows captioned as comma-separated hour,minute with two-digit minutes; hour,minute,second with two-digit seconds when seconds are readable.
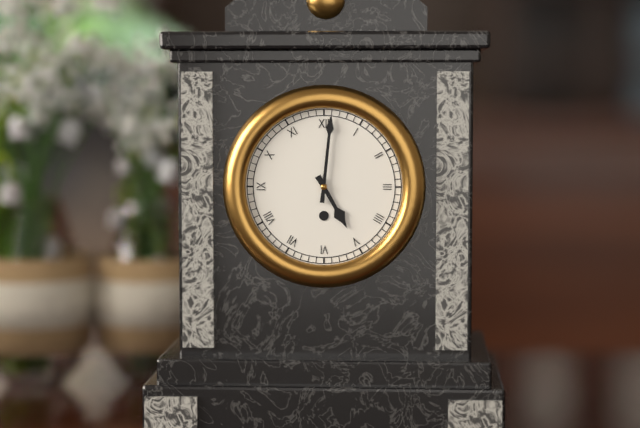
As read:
5,01
